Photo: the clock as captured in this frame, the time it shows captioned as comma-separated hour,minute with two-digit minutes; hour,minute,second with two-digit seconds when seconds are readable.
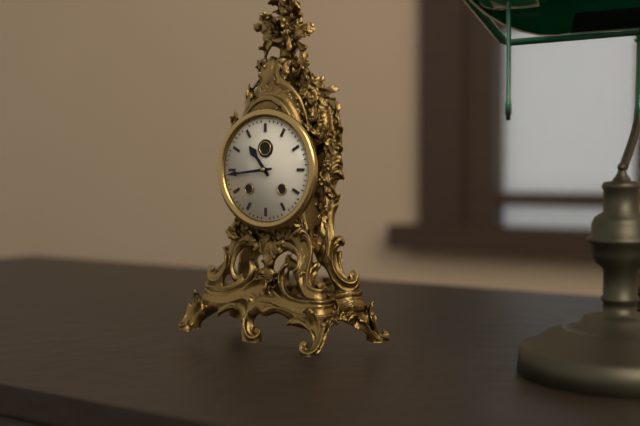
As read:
10,44
